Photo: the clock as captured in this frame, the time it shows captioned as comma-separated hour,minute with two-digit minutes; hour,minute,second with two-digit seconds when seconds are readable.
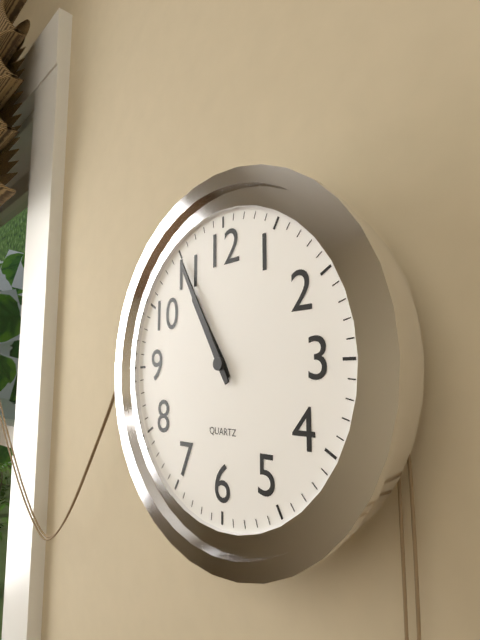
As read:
10,55
